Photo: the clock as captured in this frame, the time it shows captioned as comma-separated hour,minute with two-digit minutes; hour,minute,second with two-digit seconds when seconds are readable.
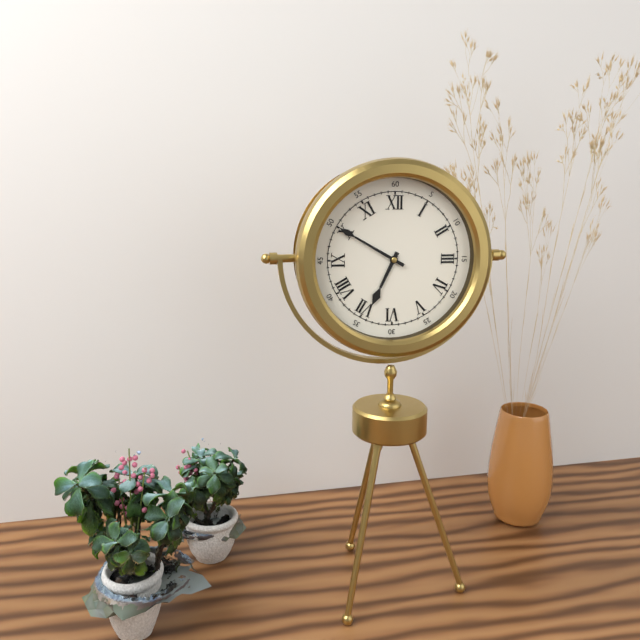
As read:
6,50
